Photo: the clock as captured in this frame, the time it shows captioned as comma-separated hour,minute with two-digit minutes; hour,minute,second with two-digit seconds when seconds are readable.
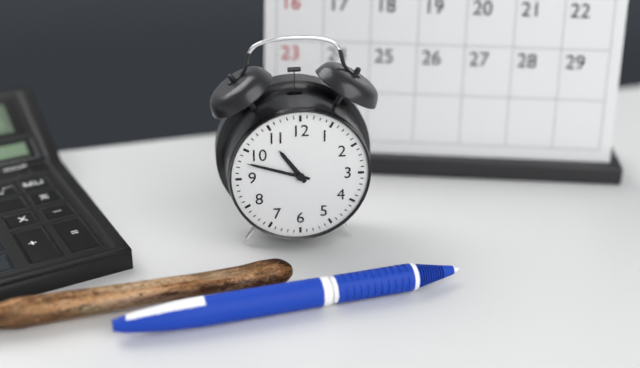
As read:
10,48
